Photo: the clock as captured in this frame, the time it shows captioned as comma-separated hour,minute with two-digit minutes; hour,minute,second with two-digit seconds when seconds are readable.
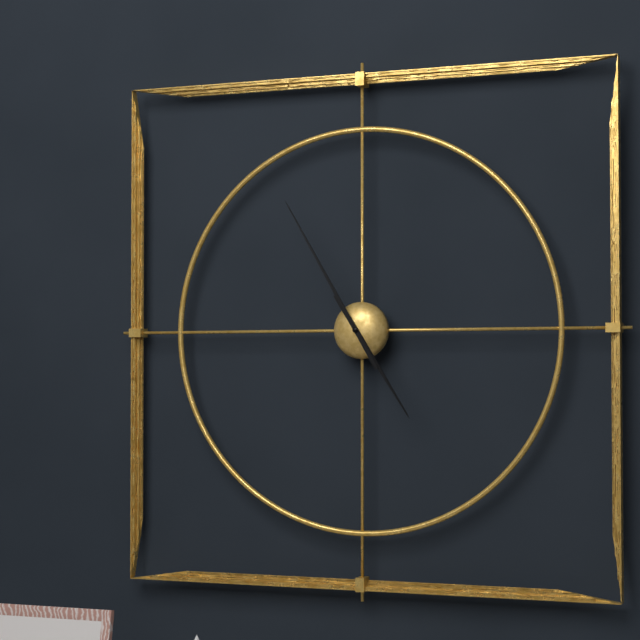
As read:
4,55
